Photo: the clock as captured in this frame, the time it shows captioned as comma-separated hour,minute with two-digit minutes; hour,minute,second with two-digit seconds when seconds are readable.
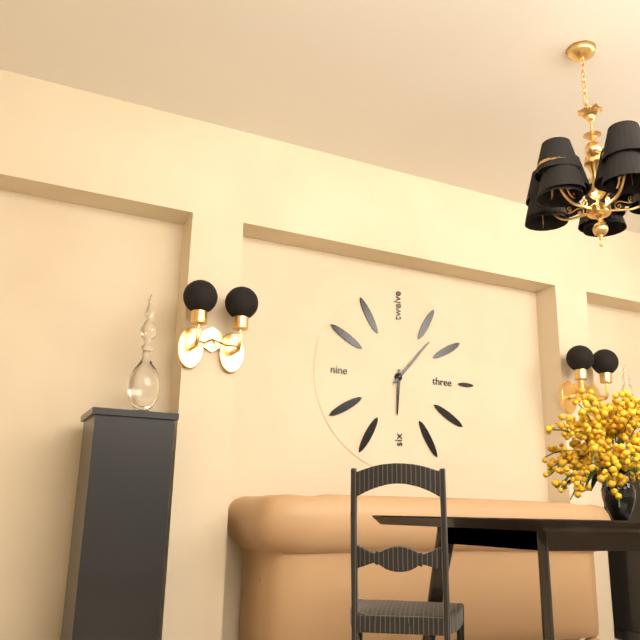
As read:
6,07
